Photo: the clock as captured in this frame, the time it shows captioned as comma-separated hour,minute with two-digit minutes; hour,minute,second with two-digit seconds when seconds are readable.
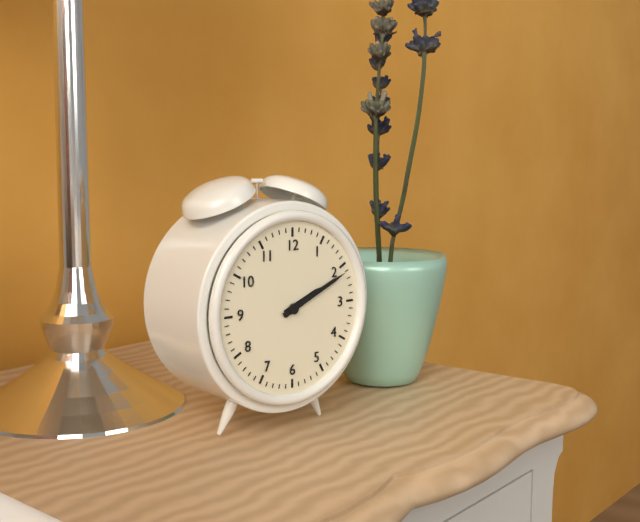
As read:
2,11
